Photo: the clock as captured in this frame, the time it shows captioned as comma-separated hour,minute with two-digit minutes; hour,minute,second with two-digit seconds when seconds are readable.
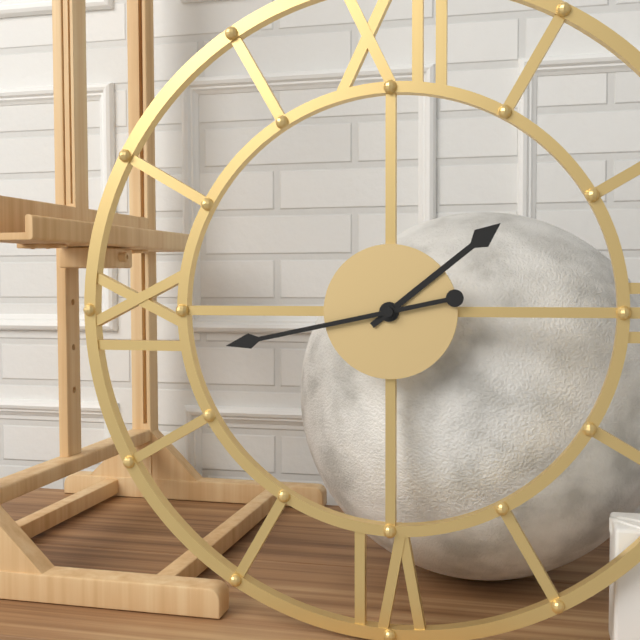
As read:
1,43
